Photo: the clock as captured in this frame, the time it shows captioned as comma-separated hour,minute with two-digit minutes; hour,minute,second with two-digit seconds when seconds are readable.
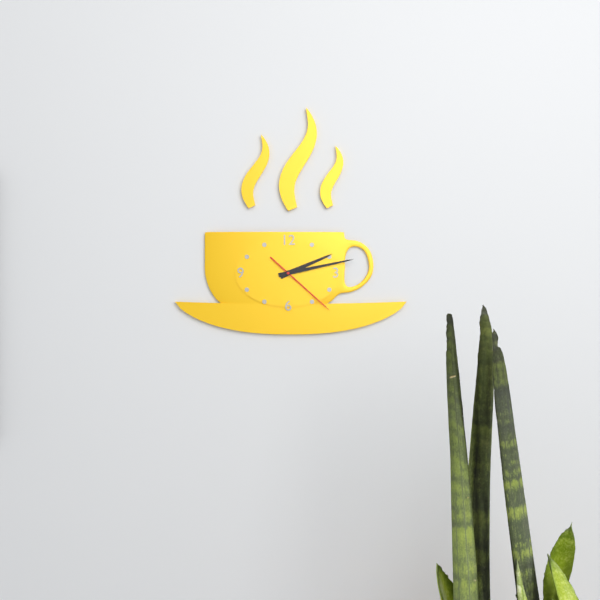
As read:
2,13,22
